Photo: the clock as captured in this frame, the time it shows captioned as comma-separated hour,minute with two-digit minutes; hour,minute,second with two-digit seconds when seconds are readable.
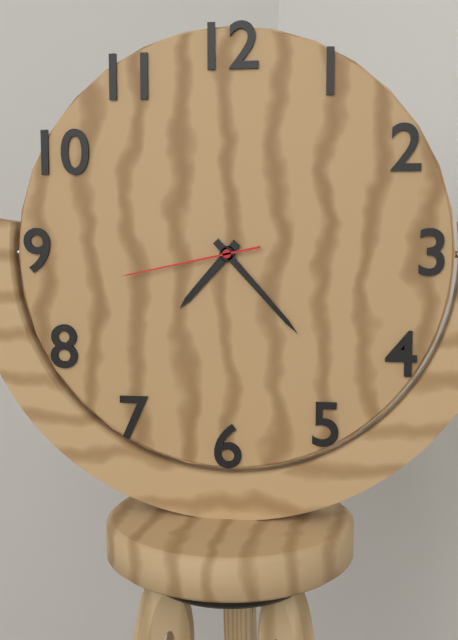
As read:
7,23,43
